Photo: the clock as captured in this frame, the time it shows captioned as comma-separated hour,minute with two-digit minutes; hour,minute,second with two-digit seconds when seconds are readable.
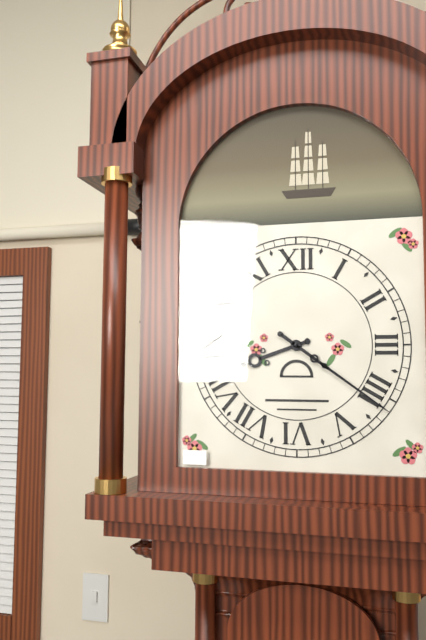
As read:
8,21
